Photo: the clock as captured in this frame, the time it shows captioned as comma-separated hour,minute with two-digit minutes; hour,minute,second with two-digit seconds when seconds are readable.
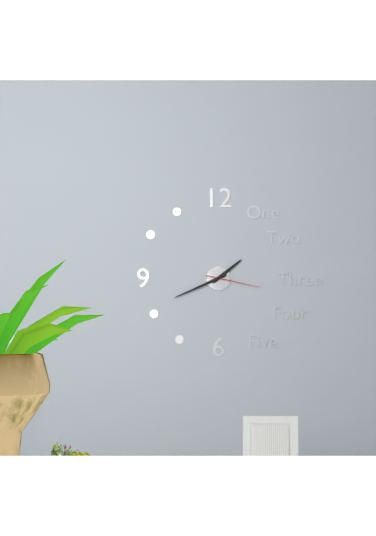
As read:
1,41,17
